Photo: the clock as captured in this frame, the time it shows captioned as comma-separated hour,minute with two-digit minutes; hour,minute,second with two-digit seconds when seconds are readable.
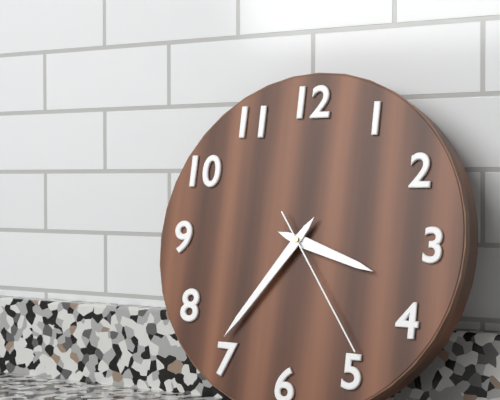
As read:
3,36,24
